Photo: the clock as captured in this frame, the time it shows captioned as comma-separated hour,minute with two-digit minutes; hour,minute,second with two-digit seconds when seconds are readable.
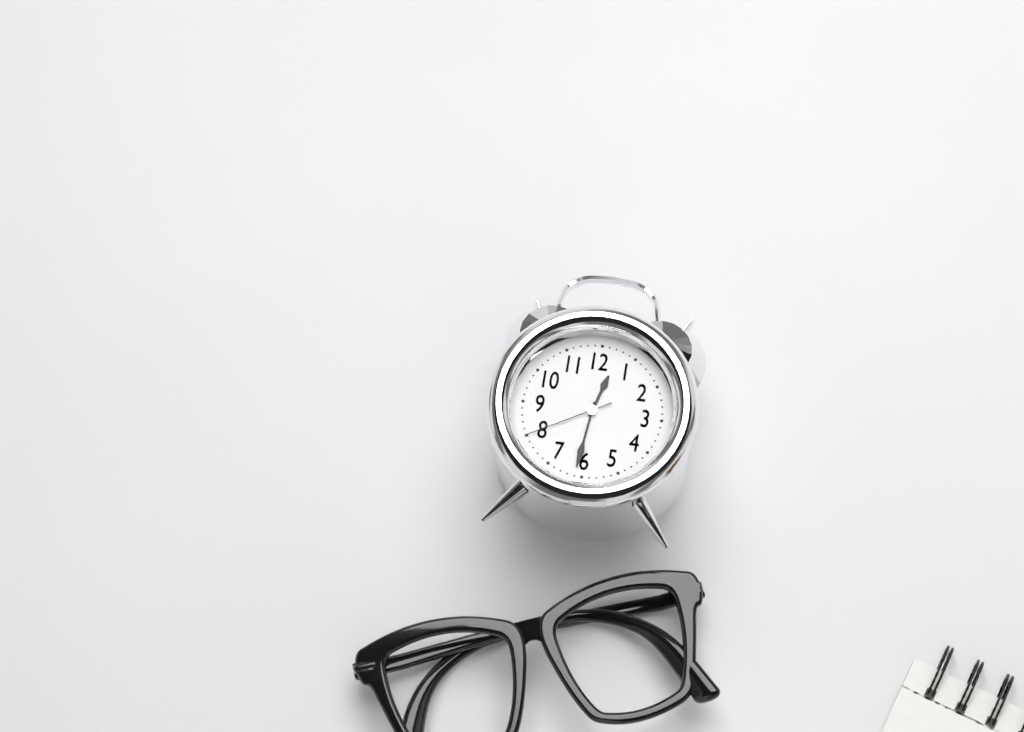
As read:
12,31,40
